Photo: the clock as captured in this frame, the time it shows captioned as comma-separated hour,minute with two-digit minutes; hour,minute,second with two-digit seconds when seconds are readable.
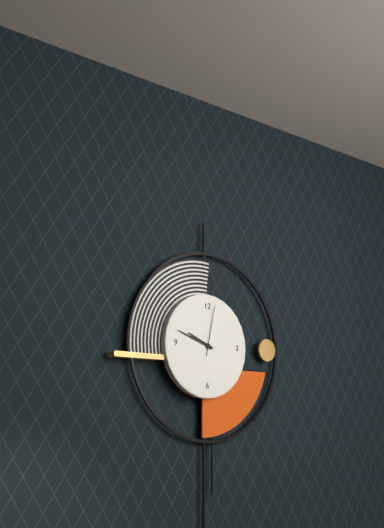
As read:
9,48,02
